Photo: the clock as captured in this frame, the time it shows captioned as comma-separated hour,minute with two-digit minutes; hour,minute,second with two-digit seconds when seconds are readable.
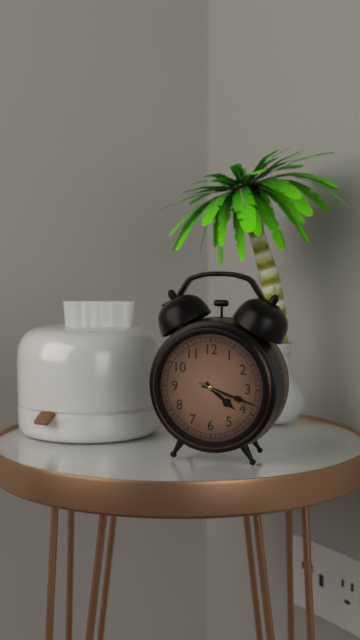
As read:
4,18,19
